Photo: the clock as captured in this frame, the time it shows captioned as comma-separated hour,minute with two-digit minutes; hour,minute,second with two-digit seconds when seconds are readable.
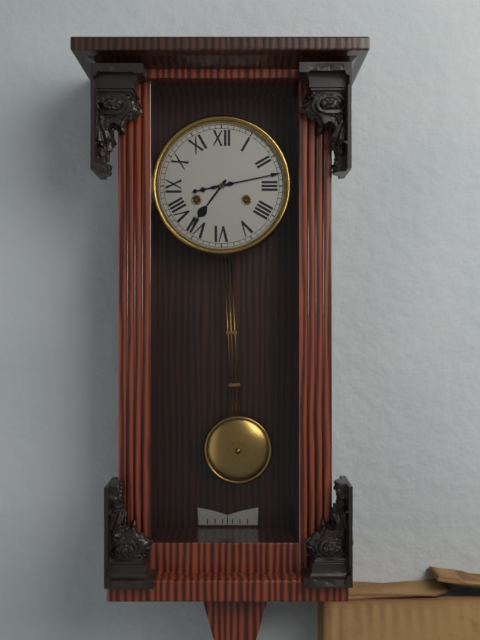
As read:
7,13
